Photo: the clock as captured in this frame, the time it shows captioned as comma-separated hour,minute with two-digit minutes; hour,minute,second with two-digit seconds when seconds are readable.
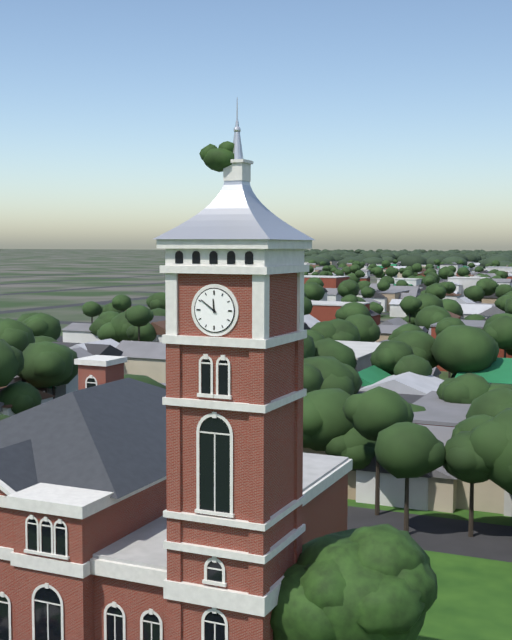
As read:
11,51
